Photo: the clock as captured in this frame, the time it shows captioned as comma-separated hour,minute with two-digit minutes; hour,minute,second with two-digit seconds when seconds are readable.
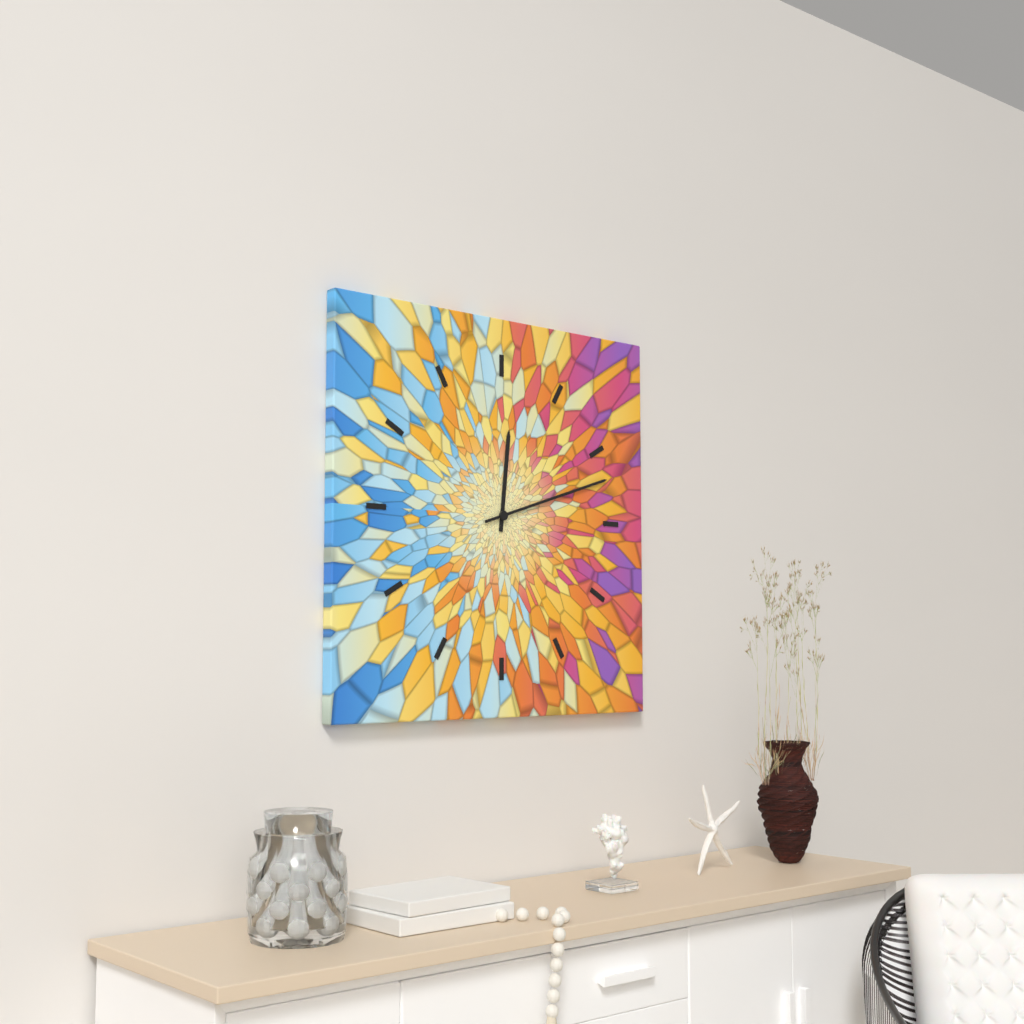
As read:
12,12
